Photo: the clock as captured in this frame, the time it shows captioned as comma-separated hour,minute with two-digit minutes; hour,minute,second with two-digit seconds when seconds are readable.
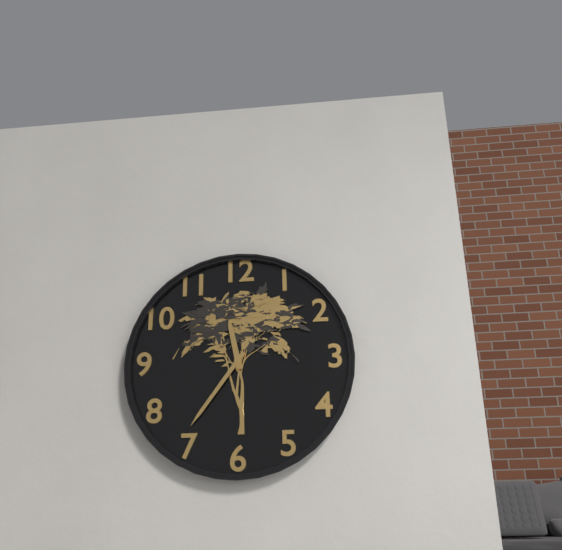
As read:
11,36
